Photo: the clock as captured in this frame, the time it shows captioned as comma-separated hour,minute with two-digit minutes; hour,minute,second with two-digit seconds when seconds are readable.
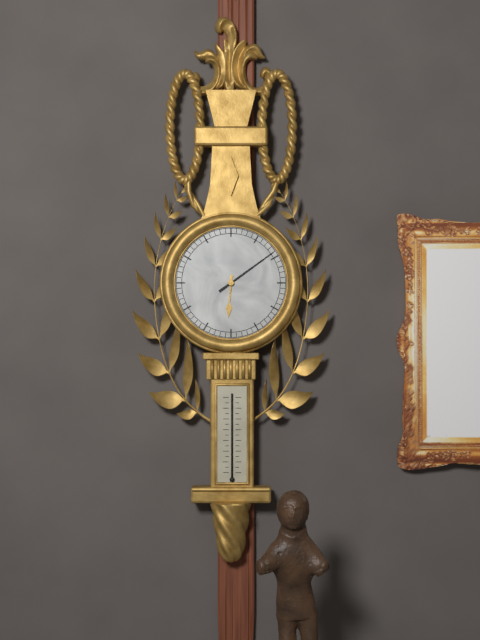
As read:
6,09
